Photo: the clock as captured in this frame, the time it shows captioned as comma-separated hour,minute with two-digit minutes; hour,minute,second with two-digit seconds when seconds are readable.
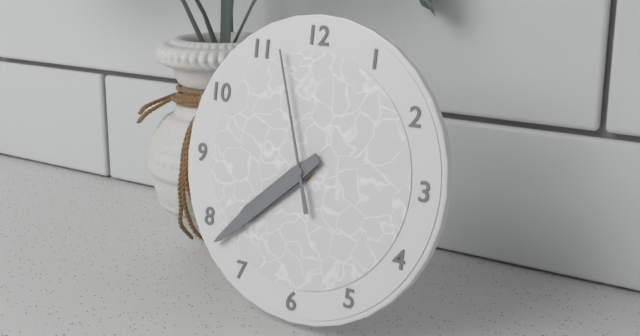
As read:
7,38,57
